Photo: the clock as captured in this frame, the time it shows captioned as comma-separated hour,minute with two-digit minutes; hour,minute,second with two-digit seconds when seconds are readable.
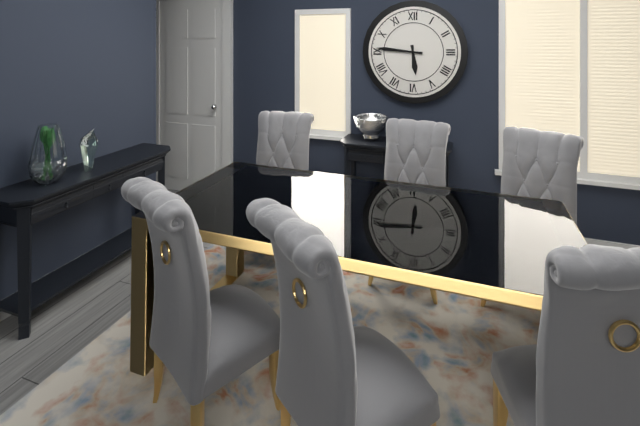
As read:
5,46
